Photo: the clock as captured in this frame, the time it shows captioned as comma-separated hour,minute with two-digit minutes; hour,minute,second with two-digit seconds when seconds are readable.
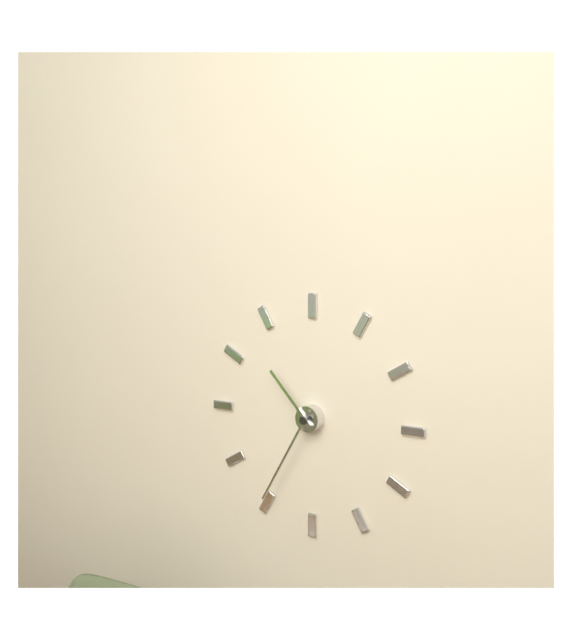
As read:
10,35
